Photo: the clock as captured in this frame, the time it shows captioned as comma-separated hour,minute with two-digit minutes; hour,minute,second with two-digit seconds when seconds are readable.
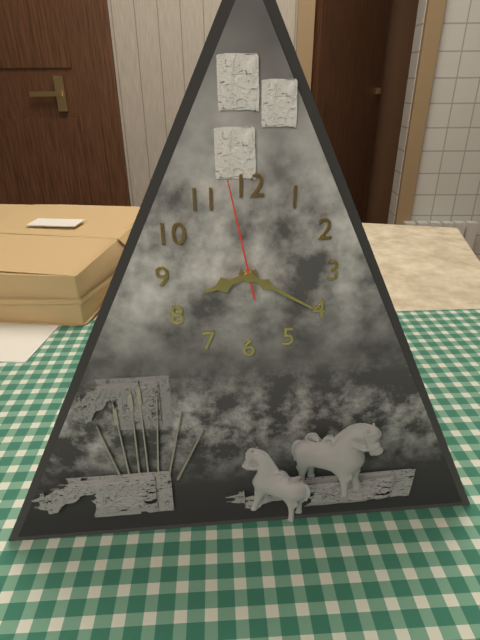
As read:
8,20,58
